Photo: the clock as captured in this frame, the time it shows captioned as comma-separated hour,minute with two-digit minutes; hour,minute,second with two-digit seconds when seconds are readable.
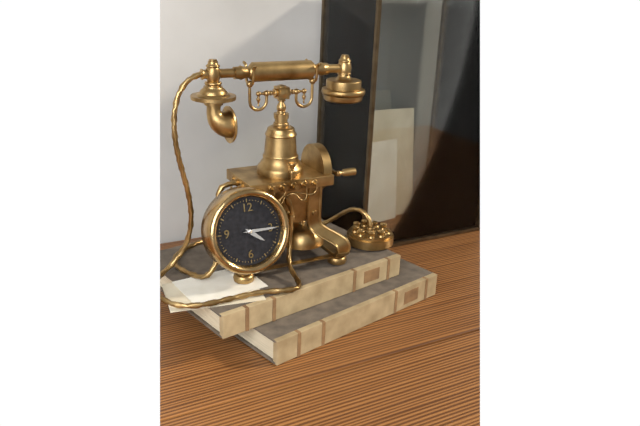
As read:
4,15
